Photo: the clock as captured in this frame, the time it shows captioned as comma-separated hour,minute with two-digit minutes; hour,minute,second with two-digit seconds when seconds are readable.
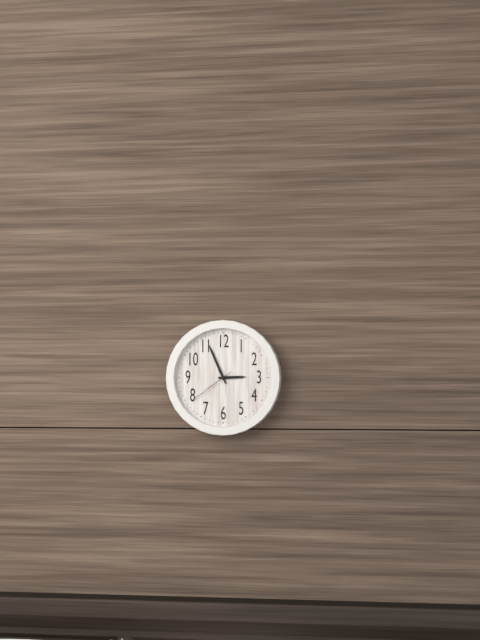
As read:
2,56,39
